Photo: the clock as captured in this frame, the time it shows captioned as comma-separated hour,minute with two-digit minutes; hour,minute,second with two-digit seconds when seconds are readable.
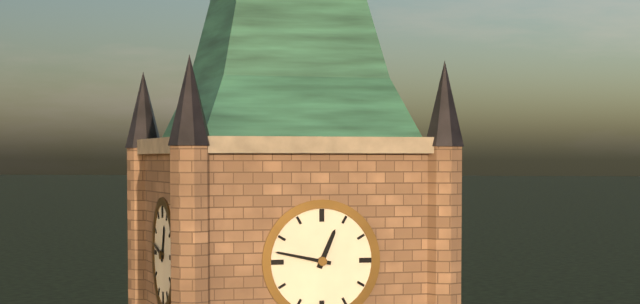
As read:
12,47
